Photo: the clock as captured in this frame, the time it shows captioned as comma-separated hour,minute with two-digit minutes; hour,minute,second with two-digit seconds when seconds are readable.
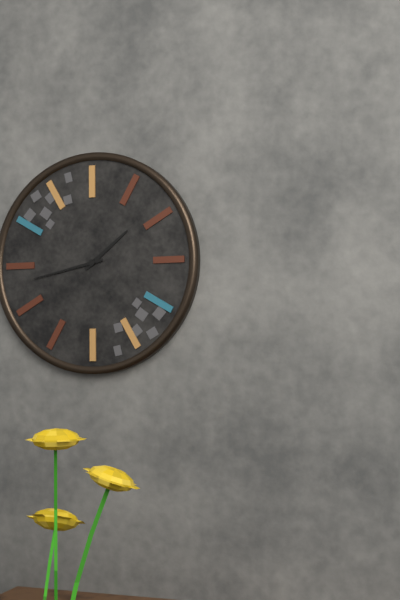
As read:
1,43
